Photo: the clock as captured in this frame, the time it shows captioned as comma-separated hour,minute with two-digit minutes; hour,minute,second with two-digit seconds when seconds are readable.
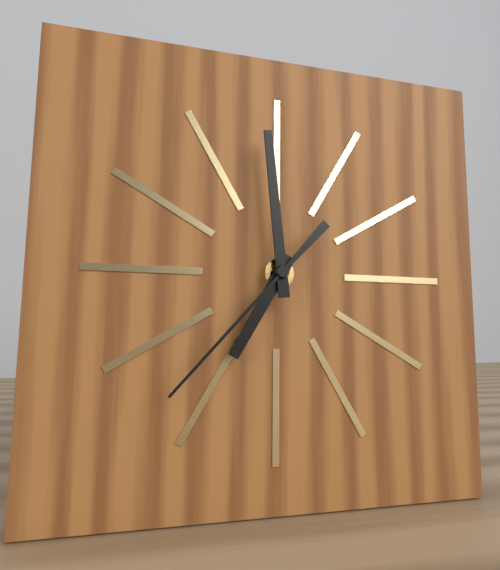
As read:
6,59,37
